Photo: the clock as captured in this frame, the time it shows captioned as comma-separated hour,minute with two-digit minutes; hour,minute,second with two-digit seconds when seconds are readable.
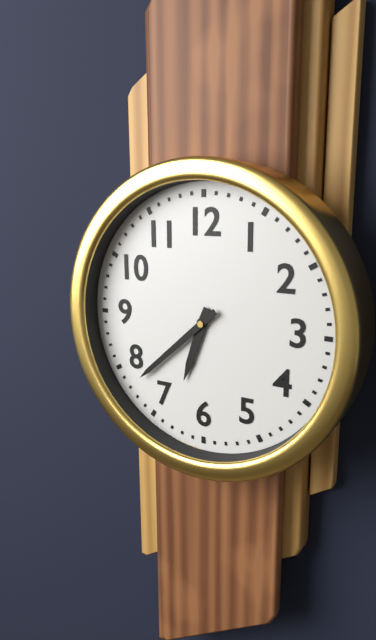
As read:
6,38
